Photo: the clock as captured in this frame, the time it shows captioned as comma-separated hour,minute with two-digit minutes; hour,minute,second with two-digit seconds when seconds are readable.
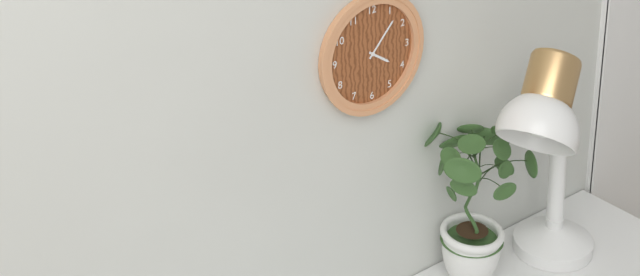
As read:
4,07
